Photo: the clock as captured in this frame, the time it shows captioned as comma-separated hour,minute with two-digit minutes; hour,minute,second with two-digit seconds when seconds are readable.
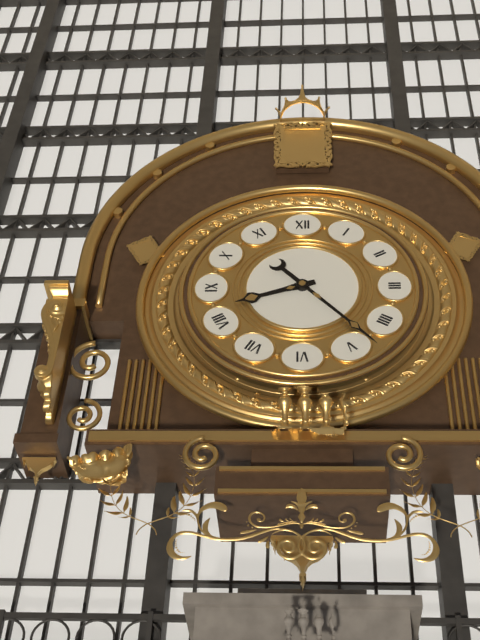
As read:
8,23
